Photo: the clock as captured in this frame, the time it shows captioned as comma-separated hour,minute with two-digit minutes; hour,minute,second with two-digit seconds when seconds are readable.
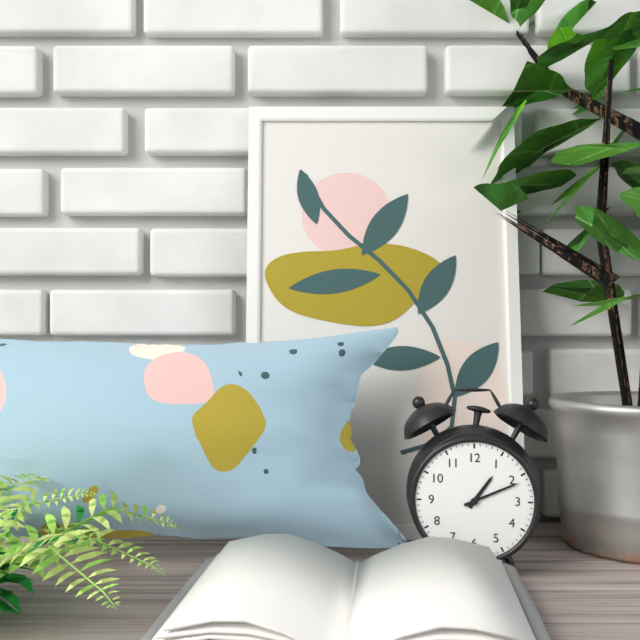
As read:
1,11
